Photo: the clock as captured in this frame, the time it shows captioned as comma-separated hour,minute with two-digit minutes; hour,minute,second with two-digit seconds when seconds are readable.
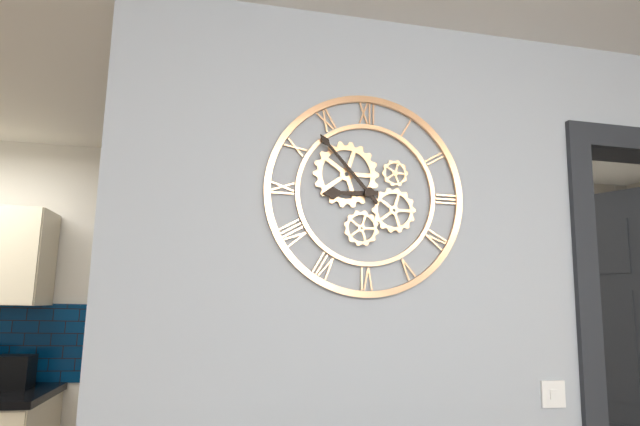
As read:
8,53
